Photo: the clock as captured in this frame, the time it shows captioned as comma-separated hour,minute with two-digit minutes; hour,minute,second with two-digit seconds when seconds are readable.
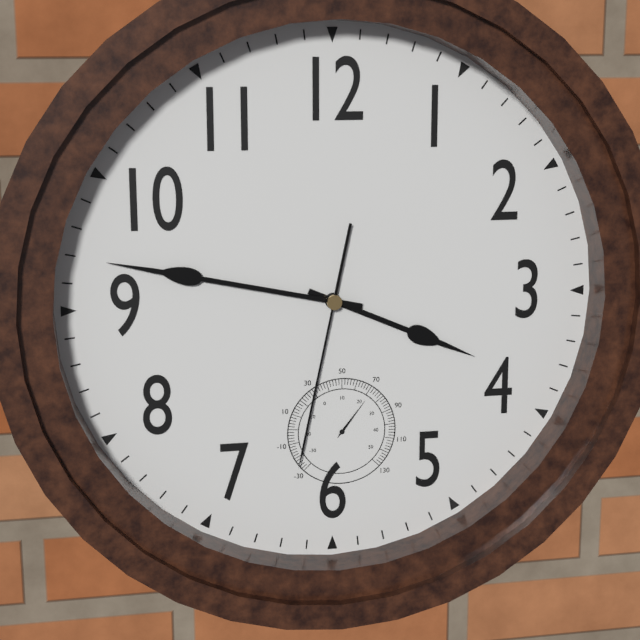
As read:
3,47,32
